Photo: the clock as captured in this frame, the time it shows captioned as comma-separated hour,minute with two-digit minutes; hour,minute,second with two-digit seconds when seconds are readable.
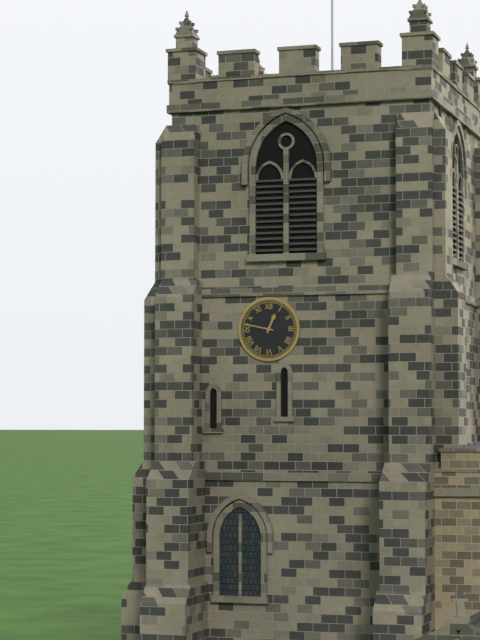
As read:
12,47
